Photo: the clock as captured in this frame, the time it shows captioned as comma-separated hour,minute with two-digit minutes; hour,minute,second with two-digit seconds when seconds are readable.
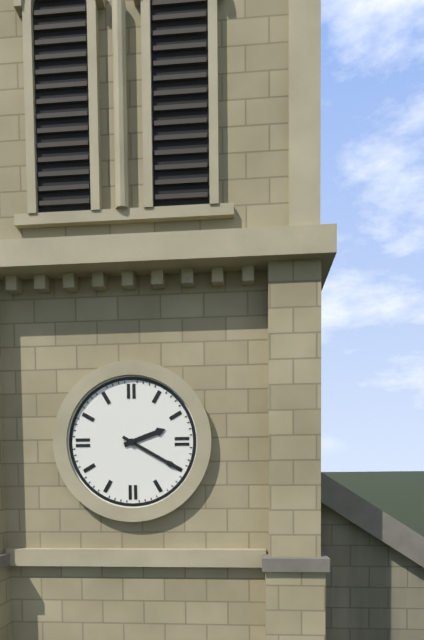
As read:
2,20
